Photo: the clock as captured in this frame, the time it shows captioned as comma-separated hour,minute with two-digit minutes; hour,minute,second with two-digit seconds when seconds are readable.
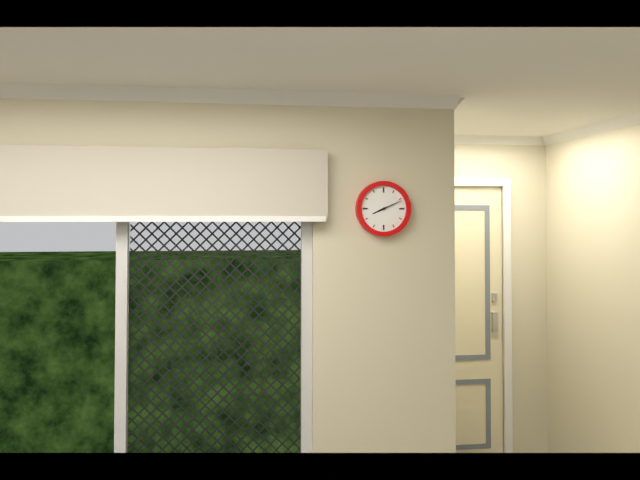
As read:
8,11
